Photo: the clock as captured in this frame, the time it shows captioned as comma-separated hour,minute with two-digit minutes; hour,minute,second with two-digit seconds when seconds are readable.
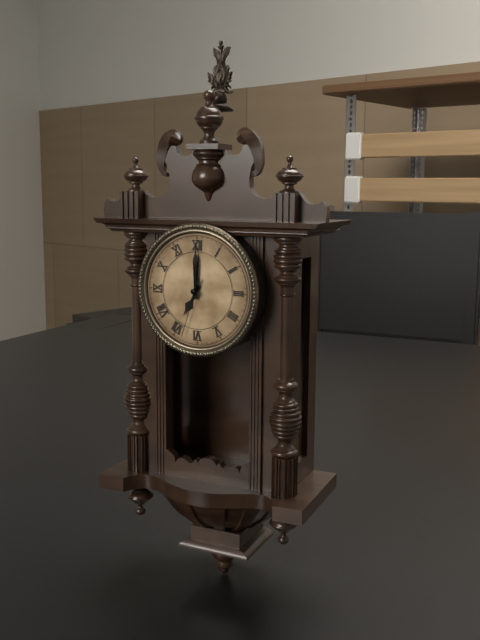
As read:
7,00,33
